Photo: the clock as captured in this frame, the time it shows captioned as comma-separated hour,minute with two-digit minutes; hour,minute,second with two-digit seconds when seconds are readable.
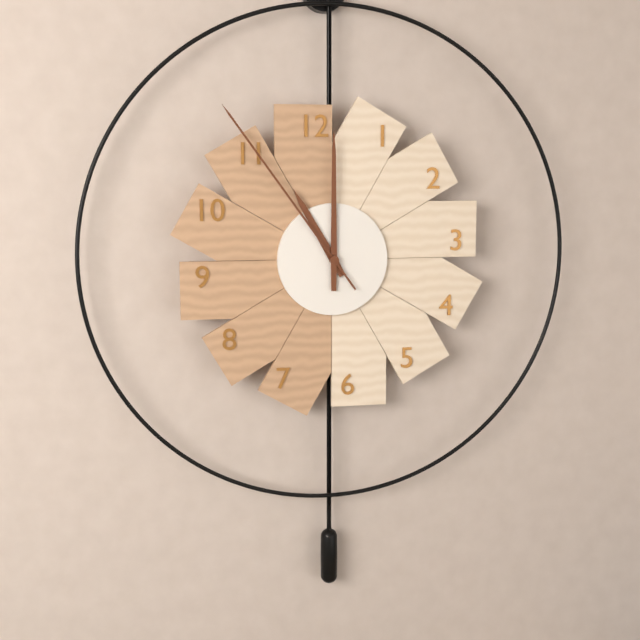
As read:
11,00,54
